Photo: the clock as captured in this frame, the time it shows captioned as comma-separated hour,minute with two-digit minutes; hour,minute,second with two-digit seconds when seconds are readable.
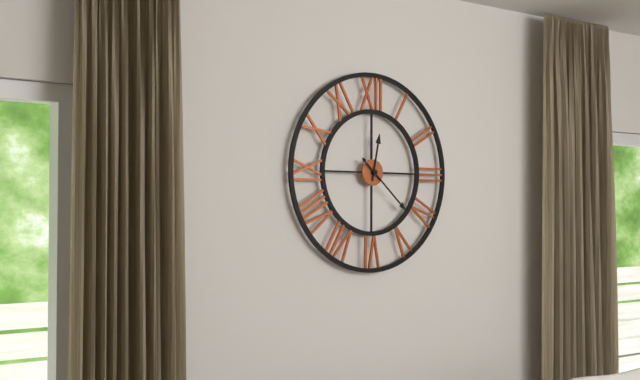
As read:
12,22
